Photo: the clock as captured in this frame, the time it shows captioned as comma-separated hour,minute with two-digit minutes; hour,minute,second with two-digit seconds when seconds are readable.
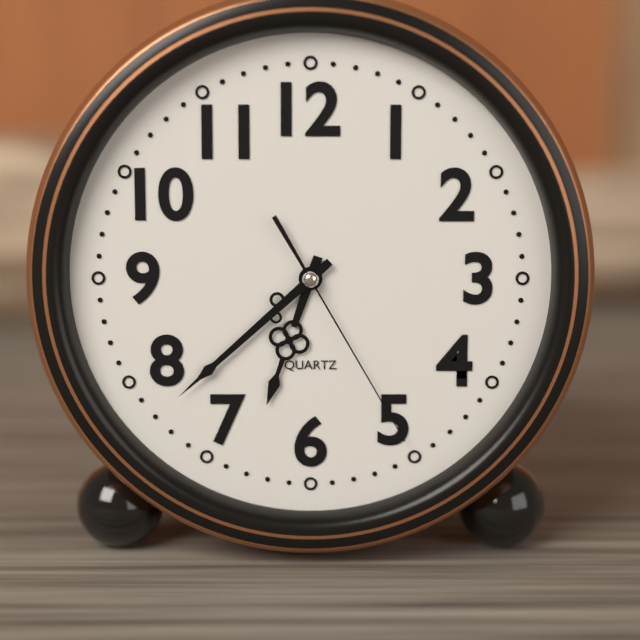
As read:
6,38,25
